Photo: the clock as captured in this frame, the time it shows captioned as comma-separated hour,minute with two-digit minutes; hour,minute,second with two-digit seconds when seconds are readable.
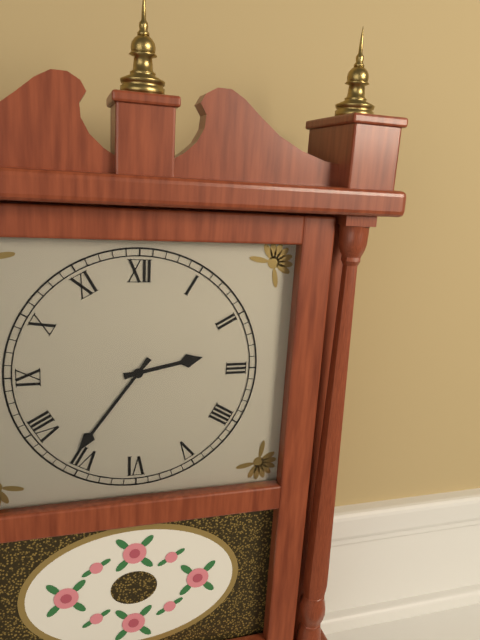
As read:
2,36
